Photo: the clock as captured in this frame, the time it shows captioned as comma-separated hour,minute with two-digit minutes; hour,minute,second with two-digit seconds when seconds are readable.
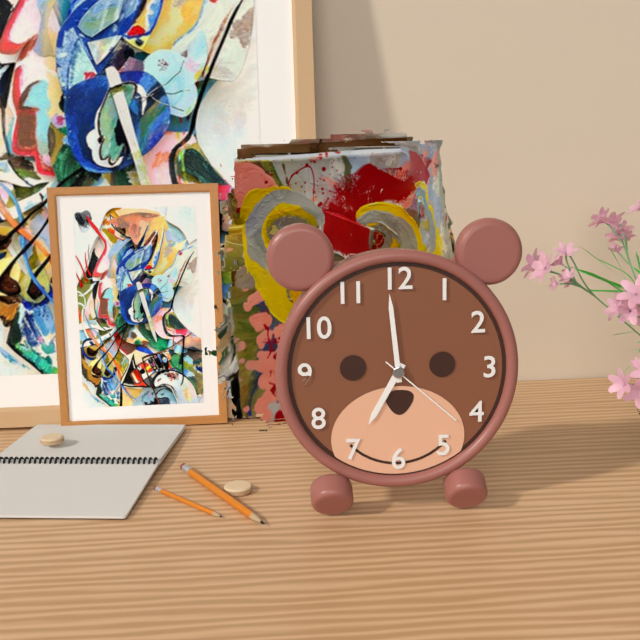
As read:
6,59,22
